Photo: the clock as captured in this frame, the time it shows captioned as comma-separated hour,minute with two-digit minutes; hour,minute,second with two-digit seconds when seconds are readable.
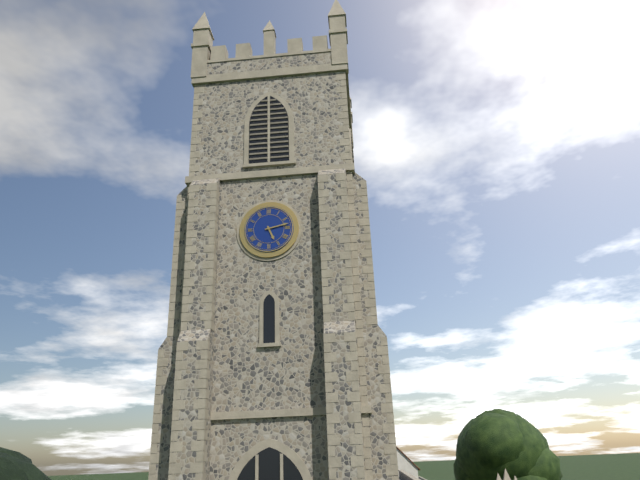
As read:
5,13
